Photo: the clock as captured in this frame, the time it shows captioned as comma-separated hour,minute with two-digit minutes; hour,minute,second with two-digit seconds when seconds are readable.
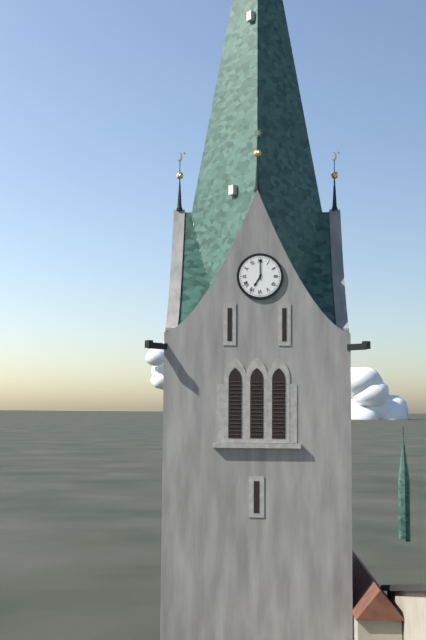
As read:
7,00
